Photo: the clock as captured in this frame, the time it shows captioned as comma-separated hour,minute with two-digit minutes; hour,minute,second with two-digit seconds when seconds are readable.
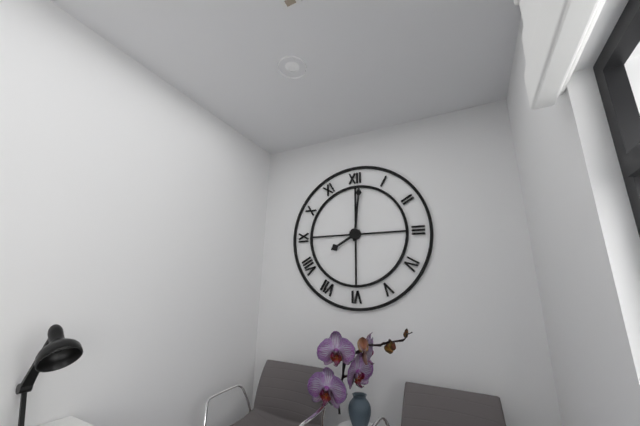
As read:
8,01
